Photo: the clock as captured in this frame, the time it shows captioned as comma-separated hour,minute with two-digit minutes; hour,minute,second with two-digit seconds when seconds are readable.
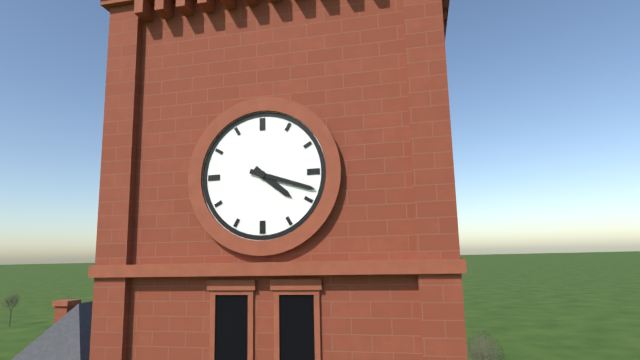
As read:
4,18
